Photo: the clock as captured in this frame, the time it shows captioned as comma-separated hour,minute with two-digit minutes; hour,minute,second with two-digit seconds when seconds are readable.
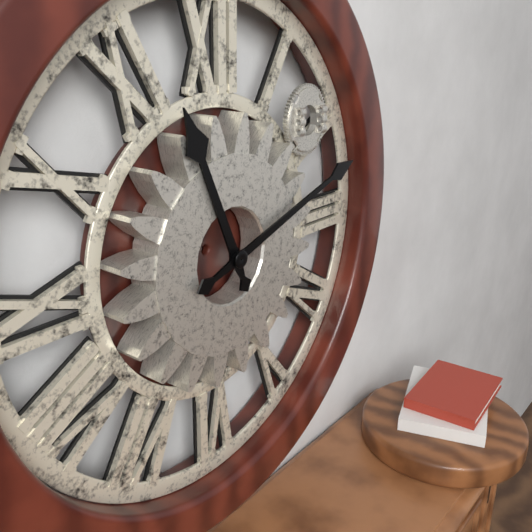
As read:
11,12
